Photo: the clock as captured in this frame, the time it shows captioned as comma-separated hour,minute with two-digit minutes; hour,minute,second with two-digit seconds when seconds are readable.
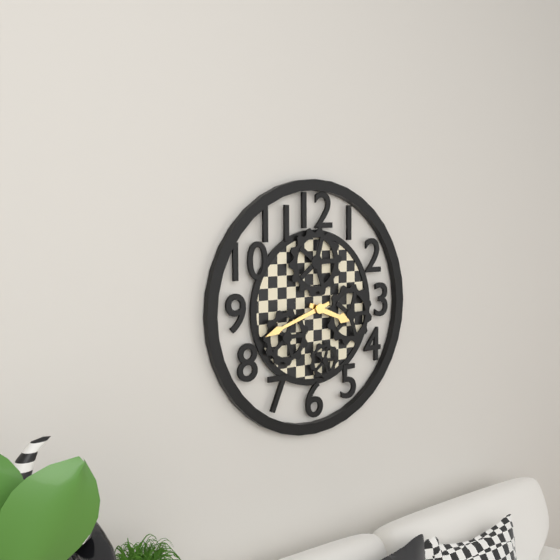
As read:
3,42
